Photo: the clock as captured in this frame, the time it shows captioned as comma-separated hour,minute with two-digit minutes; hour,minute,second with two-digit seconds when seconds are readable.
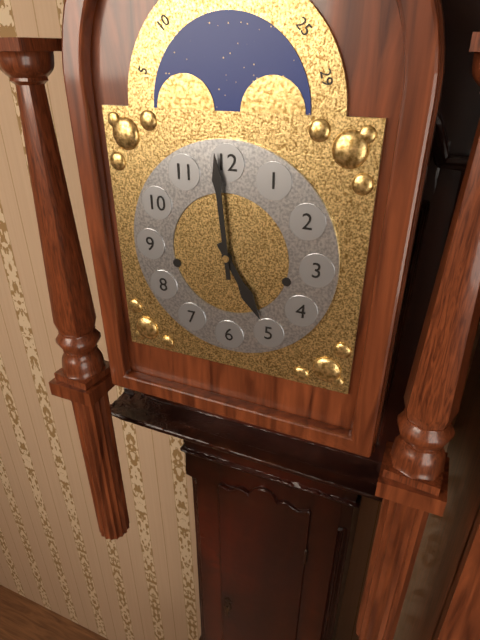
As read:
4,59
